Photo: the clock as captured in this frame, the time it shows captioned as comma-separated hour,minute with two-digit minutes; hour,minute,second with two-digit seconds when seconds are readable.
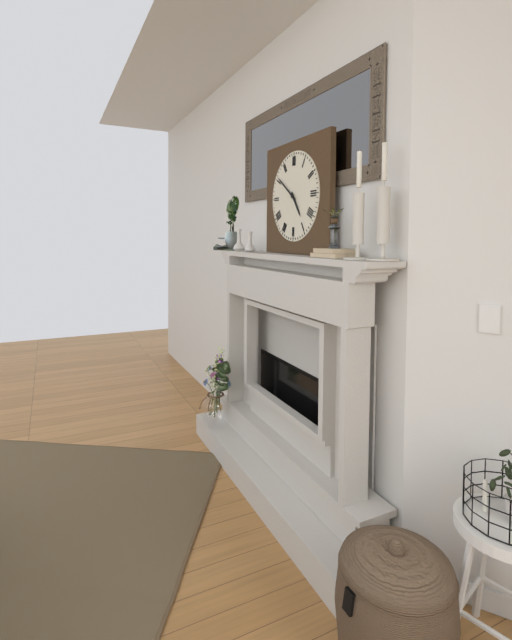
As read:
4,51
